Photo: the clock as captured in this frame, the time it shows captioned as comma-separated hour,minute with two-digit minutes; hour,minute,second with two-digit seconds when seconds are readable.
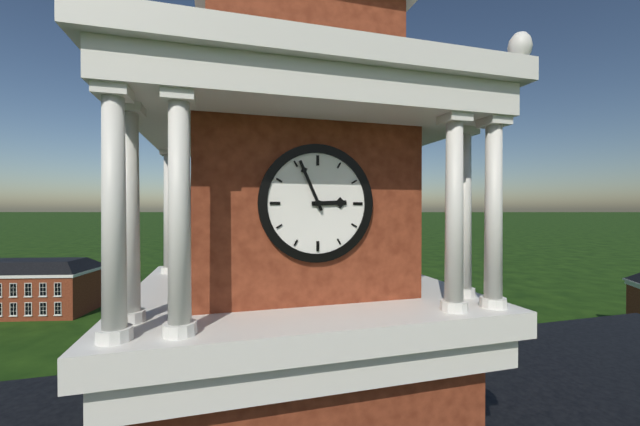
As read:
2,56
